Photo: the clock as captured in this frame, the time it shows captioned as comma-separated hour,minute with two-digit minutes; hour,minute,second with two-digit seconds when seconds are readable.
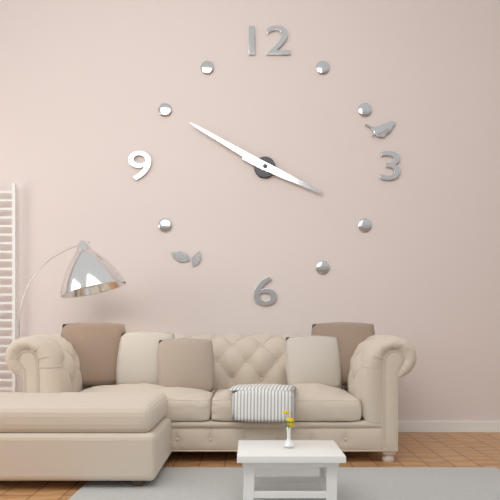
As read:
3,50
